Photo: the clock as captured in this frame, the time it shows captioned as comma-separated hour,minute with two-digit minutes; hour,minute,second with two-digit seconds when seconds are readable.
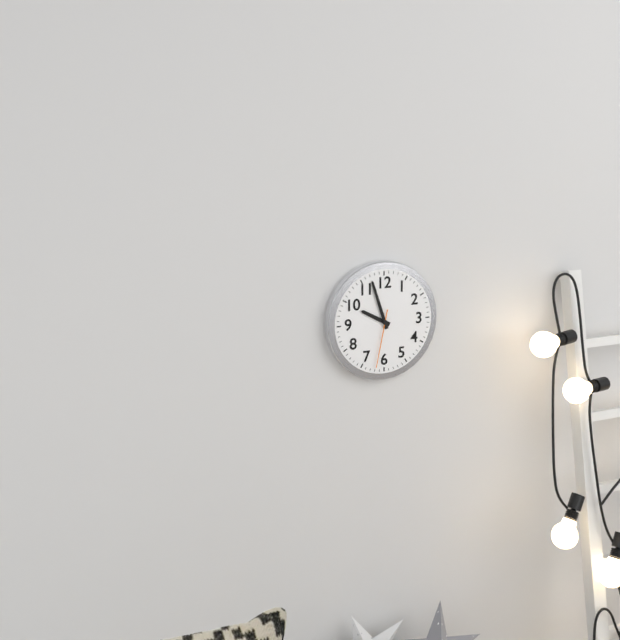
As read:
9,57,32
